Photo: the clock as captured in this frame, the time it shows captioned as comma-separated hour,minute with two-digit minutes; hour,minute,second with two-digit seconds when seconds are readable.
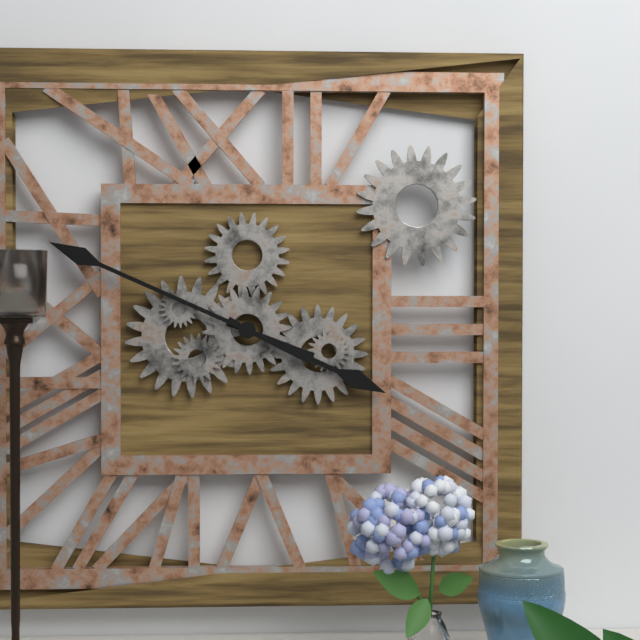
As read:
3,49
